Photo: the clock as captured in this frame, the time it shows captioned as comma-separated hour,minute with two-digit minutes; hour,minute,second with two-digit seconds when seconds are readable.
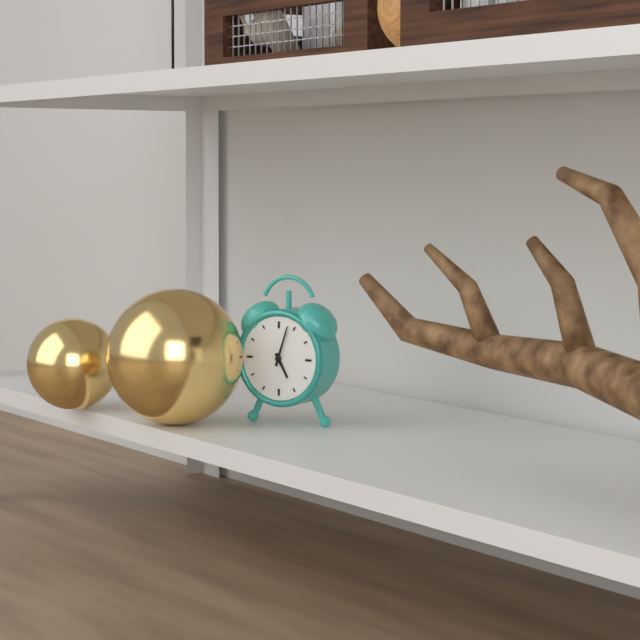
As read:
5,03
